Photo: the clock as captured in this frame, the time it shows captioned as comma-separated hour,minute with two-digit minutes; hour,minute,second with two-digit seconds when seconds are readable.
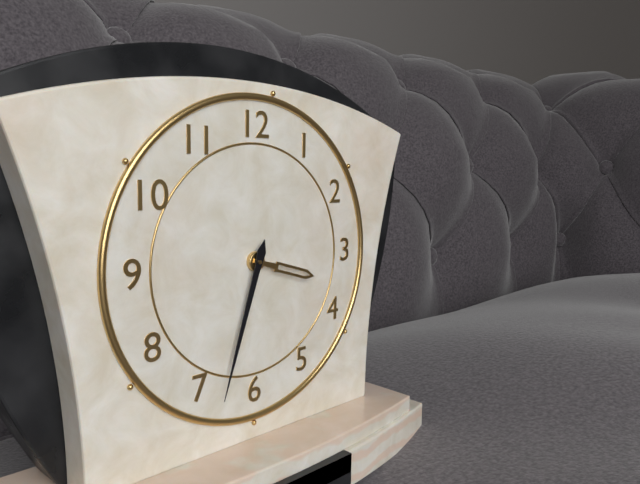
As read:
3,33
